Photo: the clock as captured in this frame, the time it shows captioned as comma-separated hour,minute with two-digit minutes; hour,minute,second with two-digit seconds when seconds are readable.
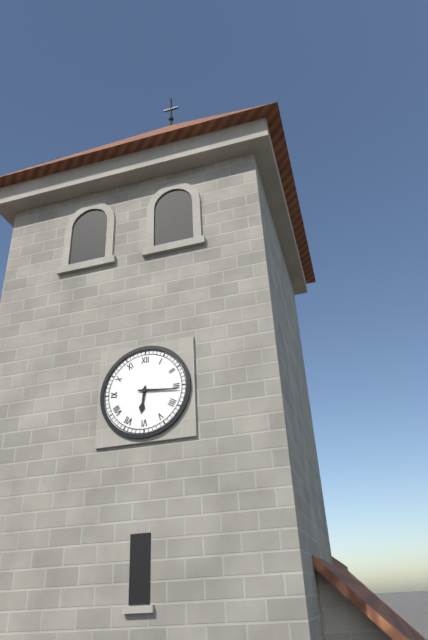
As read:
6,16
